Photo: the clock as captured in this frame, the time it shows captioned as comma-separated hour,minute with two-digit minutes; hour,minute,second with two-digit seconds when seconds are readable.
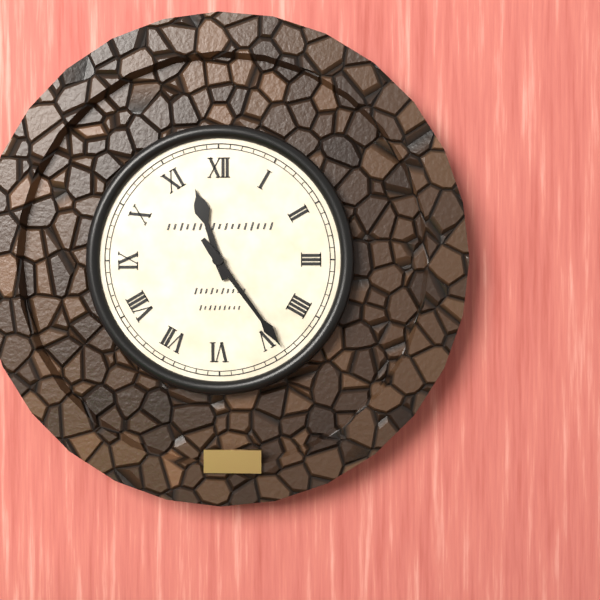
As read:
11,24
